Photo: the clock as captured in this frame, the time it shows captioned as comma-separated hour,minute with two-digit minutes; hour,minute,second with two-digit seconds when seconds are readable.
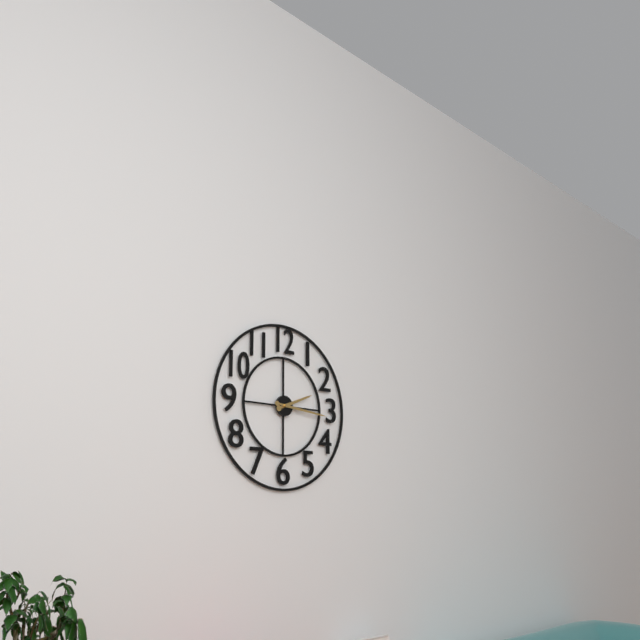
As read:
2,16
